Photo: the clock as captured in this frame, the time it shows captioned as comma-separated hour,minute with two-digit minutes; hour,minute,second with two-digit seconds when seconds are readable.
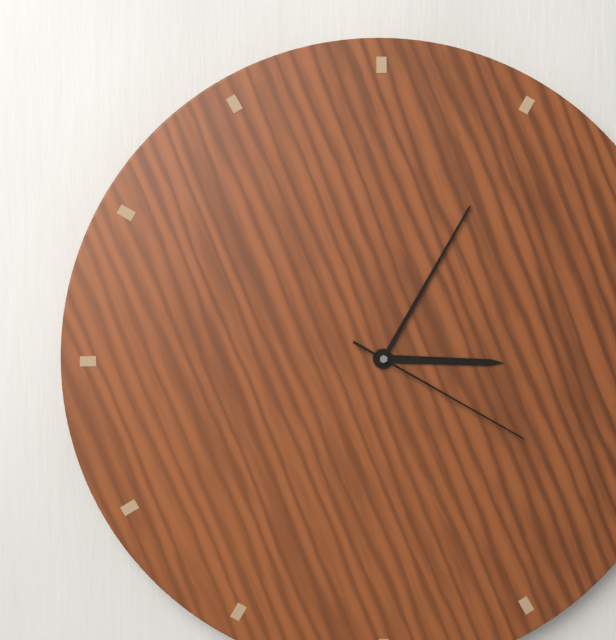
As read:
3,05,20
